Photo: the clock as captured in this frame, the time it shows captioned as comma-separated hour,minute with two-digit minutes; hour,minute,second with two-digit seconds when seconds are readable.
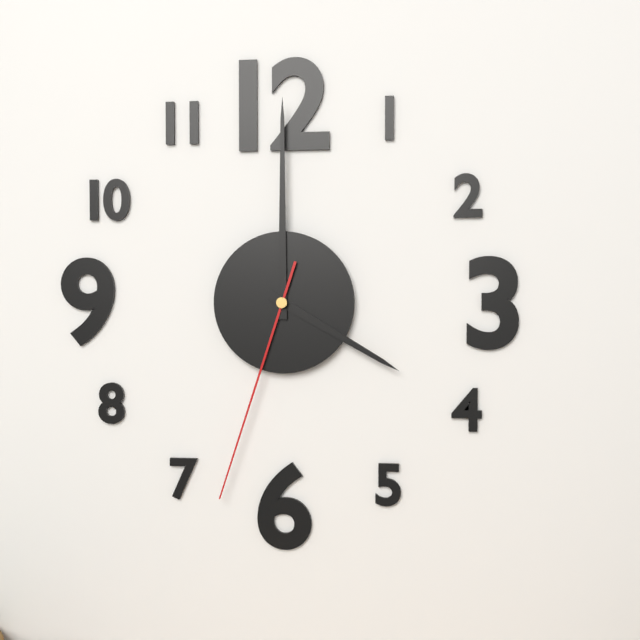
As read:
4,00,33
